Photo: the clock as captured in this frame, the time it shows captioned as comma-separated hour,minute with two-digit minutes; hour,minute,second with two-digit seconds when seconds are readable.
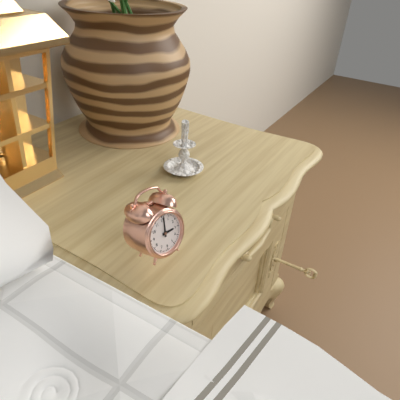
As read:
3,01
